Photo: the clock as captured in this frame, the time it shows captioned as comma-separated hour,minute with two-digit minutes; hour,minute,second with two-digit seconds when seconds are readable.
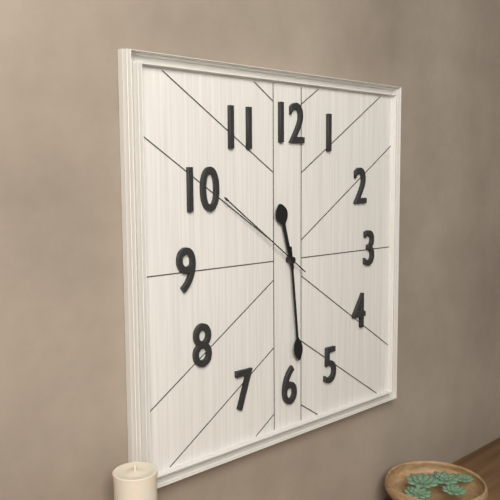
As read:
11,29,51
